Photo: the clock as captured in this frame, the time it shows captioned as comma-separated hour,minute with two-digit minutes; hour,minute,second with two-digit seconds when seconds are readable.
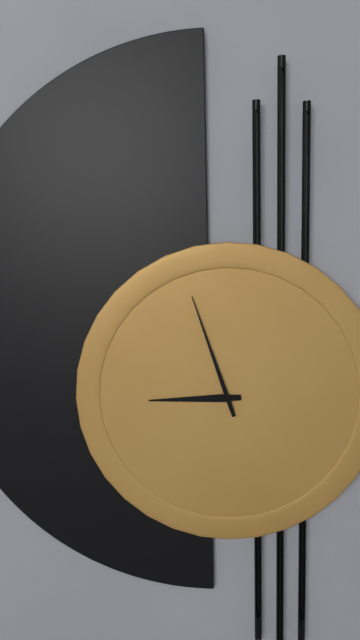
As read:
8,57
